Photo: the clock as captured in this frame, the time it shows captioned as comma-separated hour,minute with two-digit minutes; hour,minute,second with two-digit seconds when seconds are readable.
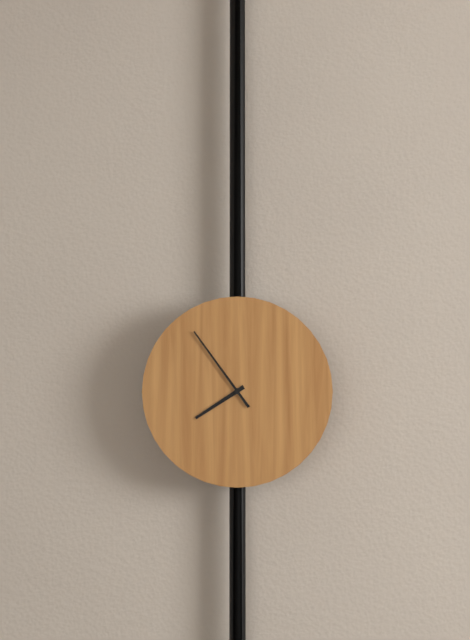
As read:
7,54
